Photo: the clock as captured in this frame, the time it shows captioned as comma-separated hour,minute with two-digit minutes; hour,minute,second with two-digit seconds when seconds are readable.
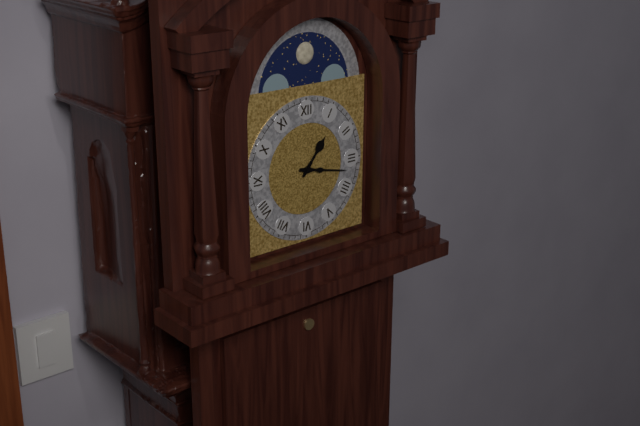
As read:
1,17
